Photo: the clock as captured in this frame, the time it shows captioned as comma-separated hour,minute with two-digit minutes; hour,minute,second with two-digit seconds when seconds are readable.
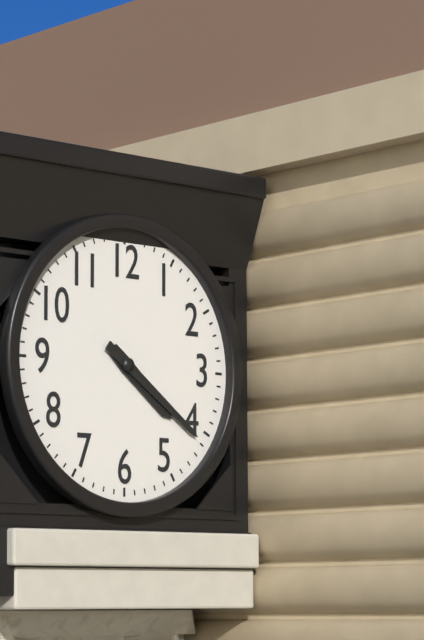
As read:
4,21
